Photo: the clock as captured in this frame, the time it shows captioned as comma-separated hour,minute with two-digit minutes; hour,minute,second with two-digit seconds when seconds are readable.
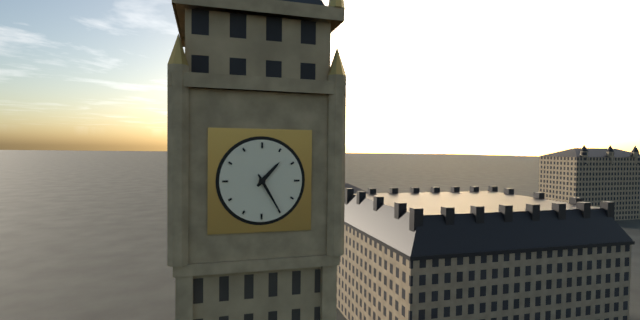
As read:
1,25
